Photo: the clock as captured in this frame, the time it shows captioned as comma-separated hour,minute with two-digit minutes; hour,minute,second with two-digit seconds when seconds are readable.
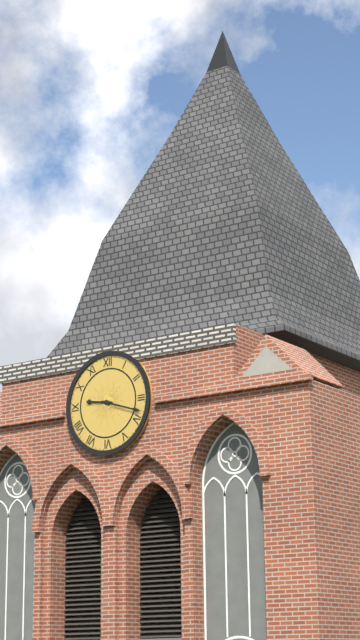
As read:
9,18
